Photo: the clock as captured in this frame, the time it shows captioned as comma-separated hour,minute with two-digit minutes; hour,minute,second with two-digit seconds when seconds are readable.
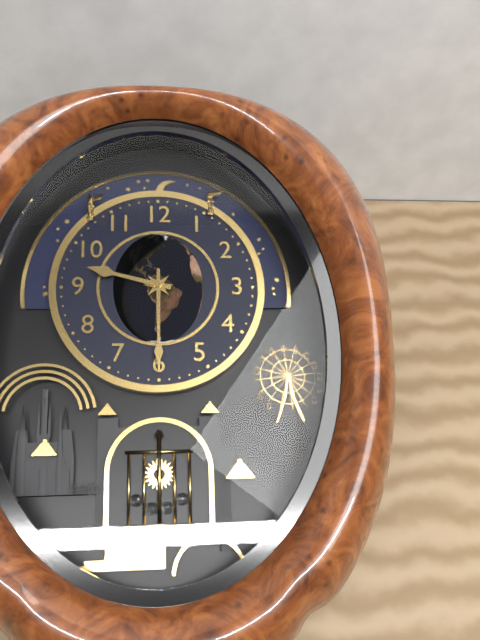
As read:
9,30
